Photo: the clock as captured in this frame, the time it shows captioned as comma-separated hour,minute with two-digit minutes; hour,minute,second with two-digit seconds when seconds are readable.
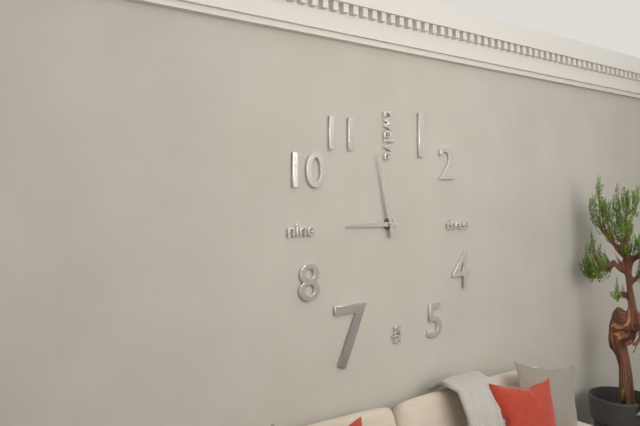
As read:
8,58
